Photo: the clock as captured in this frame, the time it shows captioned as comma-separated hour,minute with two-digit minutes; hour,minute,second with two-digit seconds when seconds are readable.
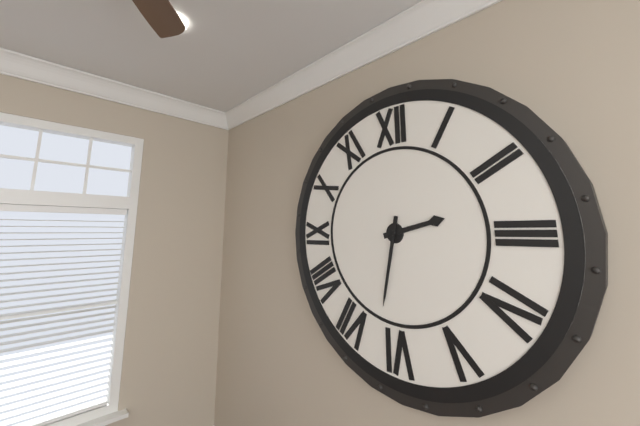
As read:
2,32
